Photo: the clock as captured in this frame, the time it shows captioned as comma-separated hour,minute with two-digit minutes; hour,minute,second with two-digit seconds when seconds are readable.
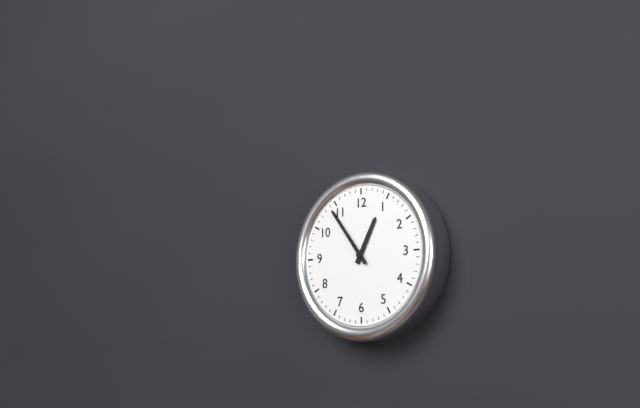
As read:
12,54
